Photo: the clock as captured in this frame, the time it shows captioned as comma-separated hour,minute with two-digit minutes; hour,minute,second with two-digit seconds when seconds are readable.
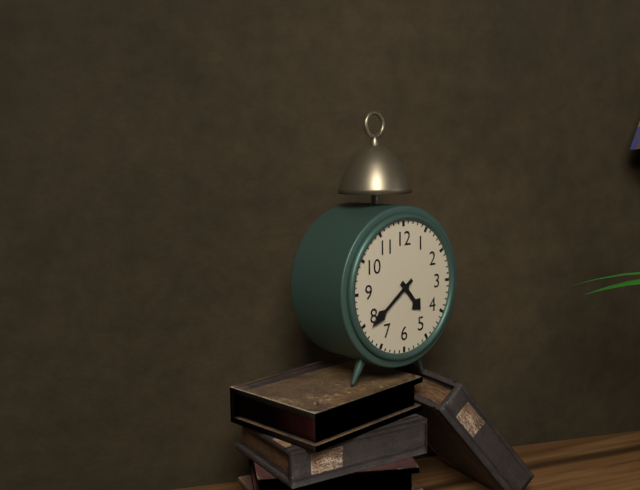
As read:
4,39
